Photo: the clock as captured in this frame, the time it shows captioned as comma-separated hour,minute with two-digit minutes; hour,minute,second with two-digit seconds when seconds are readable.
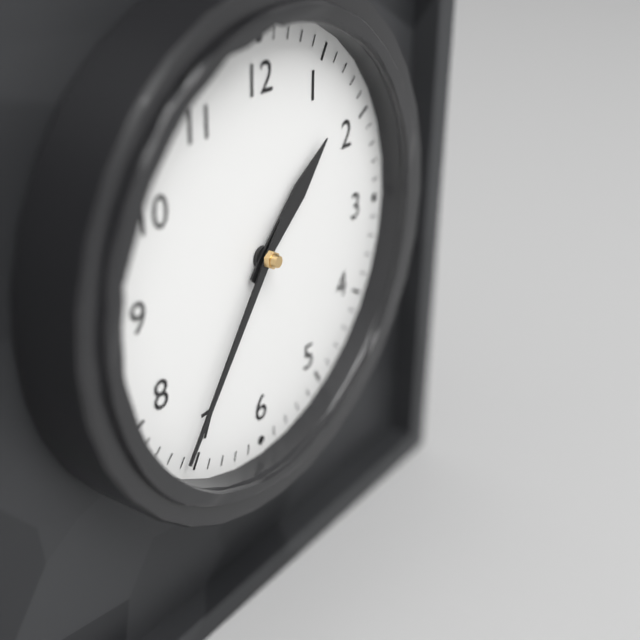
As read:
1,36
